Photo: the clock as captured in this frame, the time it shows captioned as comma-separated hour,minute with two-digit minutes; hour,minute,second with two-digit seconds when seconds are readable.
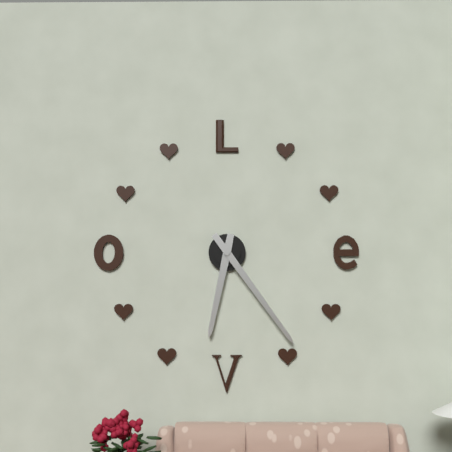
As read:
6,24
